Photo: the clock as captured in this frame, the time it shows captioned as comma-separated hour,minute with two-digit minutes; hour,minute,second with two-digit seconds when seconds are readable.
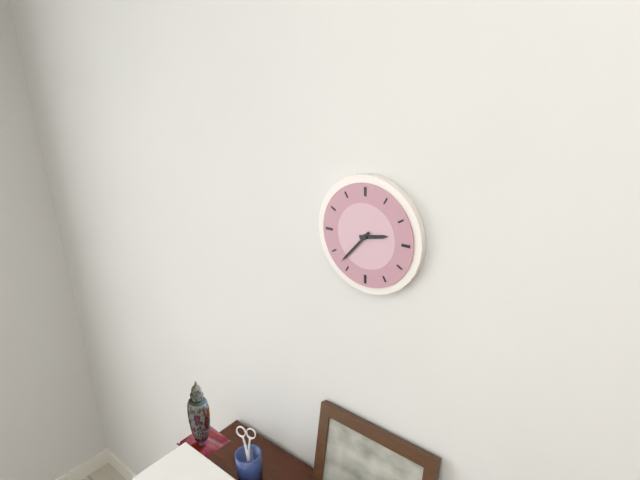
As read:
2,37
